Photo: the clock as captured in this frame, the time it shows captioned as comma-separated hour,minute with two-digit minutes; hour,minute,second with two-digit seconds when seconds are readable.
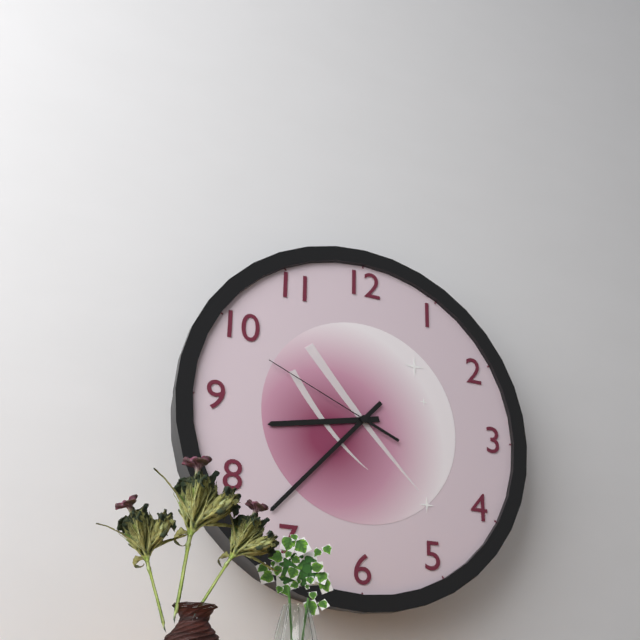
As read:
8,37,49
